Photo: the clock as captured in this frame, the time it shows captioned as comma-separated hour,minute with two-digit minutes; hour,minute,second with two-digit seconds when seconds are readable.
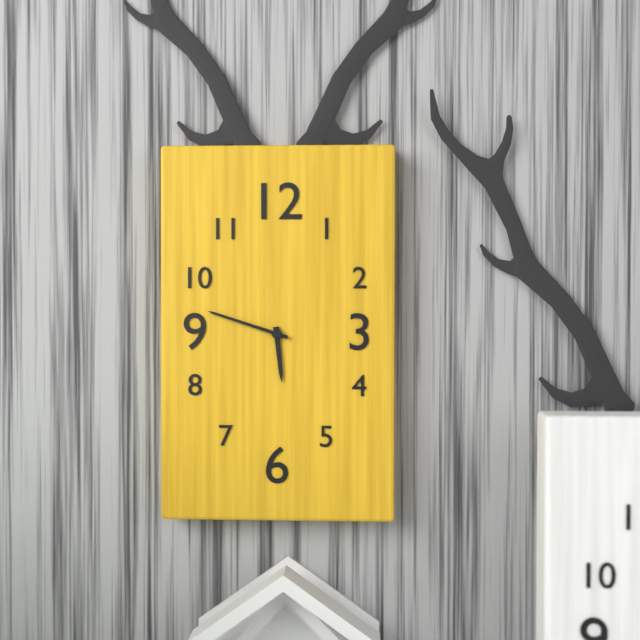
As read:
5,48
